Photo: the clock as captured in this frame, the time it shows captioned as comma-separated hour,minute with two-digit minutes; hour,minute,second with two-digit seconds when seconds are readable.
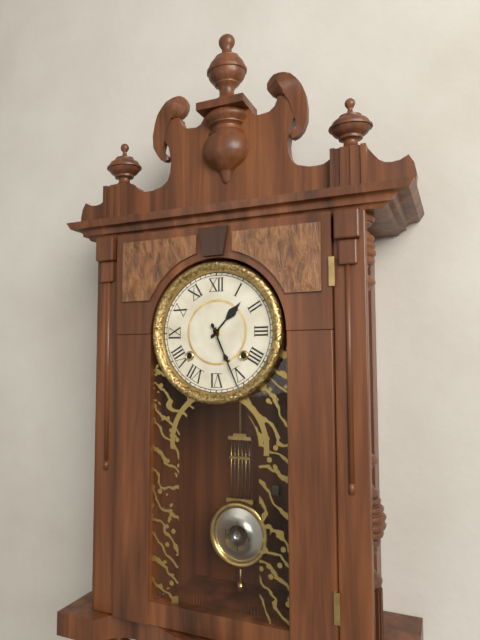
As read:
1,26
